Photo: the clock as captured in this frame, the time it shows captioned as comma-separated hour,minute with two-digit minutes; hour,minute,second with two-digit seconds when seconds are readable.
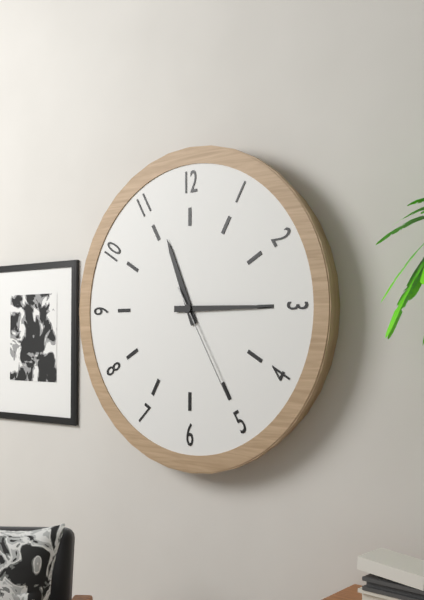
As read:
11,15,25
